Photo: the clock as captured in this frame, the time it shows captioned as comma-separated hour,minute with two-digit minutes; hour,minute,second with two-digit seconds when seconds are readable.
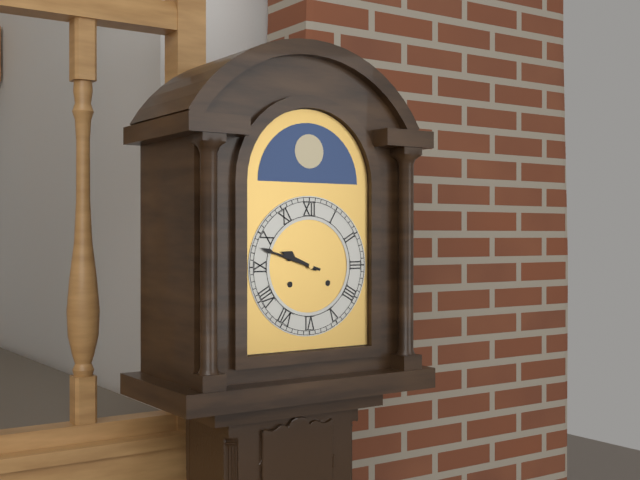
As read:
9,48
